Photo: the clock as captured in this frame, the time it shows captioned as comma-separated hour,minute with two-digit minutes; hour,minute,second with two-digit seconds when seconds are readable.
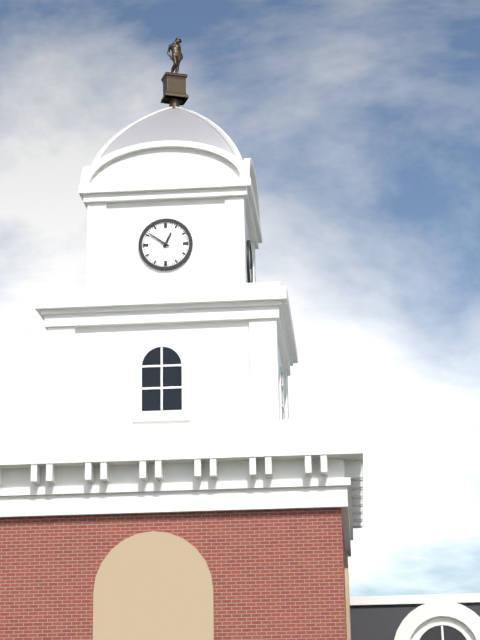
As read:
12,51
